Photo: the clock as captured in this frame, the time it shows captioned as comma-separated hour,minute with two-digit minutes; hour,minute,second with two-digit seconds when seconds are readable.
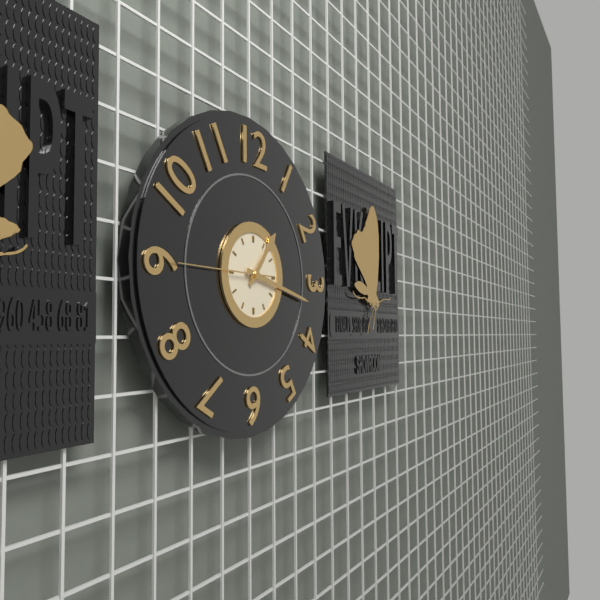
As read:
1,17,45
